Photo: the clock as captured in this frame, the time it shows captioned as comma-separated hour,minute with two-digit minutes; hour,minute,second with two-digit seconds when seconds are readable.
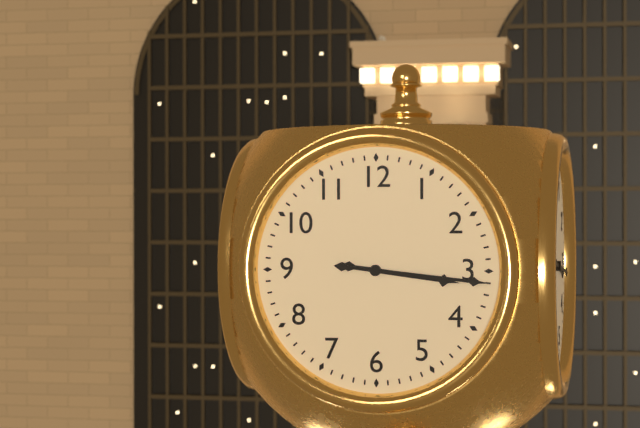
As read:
3,16
